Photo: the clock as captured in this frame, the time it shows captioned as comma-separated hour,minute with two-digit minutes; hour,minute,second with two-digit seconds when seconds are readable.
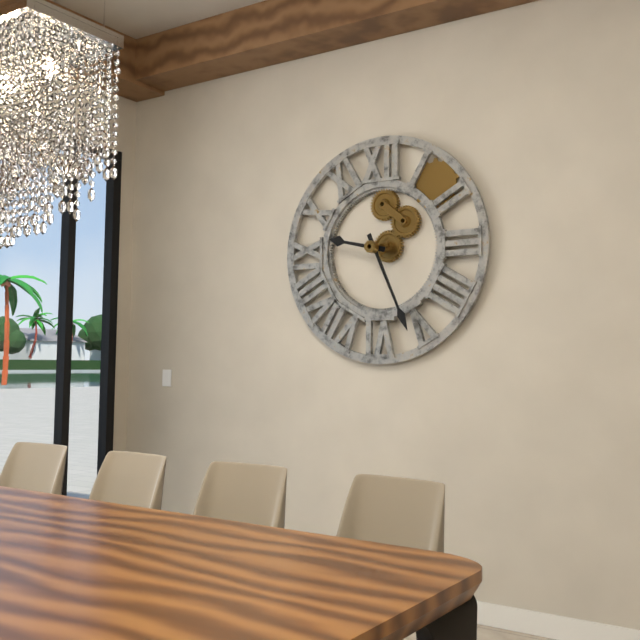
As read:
9,26
